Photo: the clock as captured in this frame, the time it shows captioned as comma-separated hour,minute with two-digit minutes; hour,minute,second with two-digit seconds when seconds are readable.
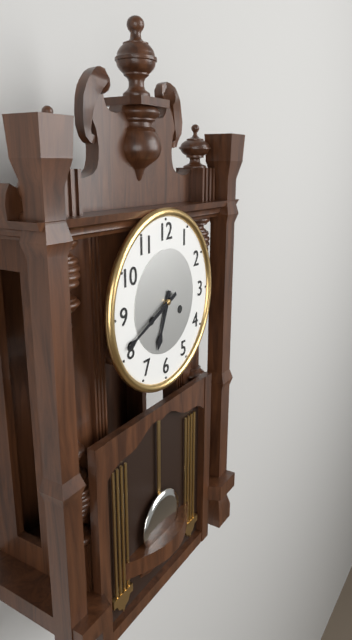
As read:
6,41
